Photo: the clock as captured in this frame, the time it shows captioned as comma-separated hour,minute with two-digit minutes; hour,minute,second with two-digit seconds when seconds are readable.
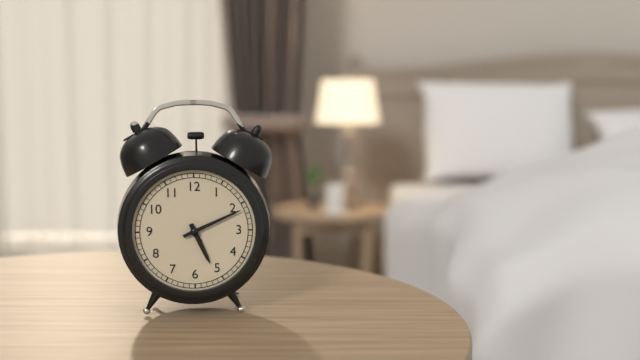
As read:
5,11
